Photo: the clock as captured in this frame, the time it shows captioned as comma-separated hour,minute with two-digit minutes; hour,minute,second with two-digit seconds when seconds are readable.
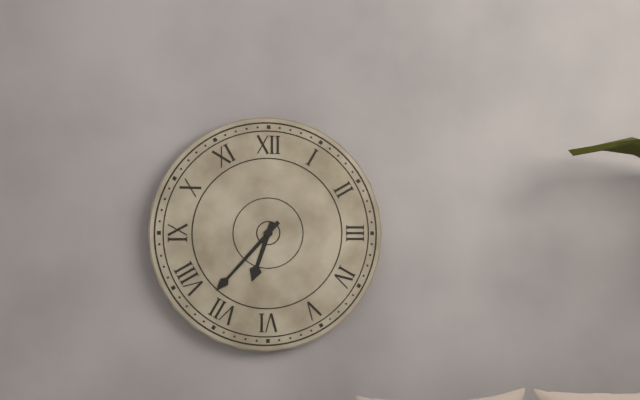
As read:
6,37
